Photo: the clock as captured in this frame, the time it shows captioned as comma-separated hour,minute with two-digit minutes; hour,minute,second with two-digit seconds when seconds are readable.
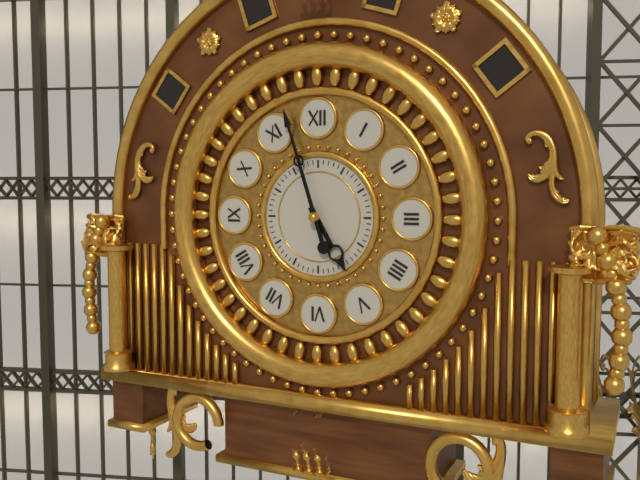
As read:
4,57
